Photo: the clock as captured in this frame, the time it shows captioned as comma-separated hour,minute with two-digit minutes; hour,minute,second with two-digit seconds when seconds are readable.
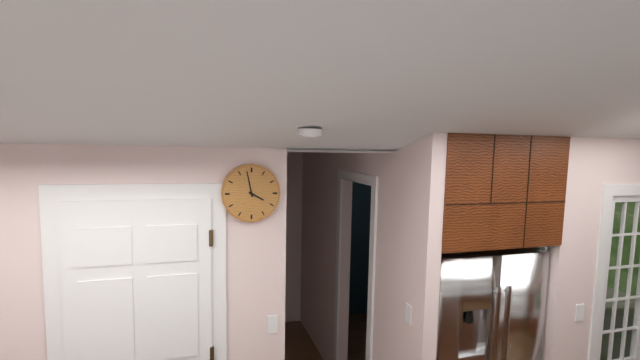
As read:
3,58
